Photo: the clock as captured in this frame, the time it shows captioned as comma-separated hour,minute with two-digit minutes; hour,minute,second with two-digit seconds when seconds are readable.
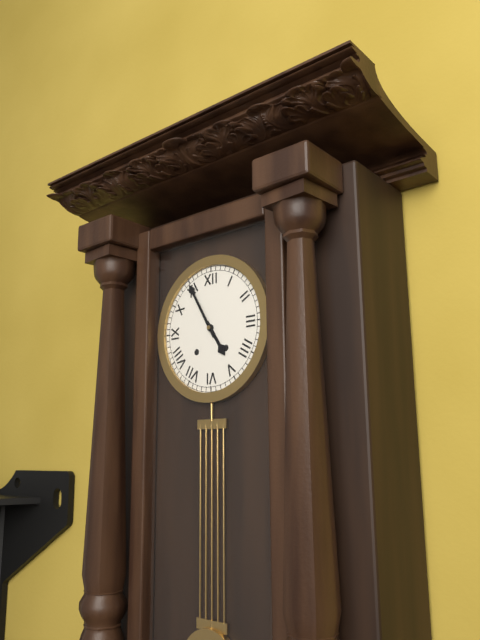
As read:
4,55
